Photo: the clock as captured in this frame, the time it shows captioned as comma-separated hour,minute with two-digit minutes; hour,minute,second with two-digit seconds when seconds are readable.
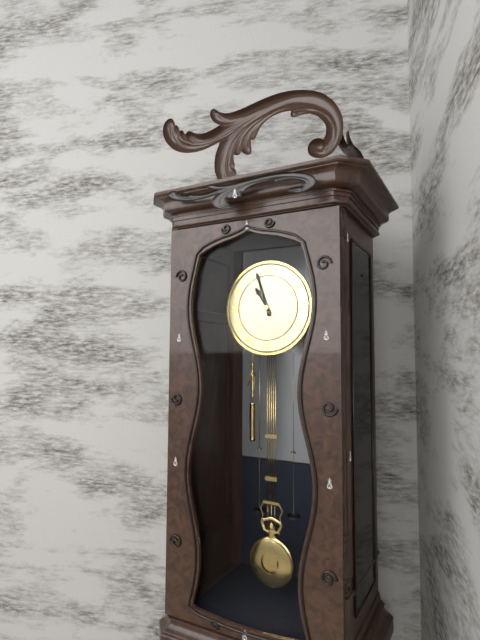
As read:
10,57
